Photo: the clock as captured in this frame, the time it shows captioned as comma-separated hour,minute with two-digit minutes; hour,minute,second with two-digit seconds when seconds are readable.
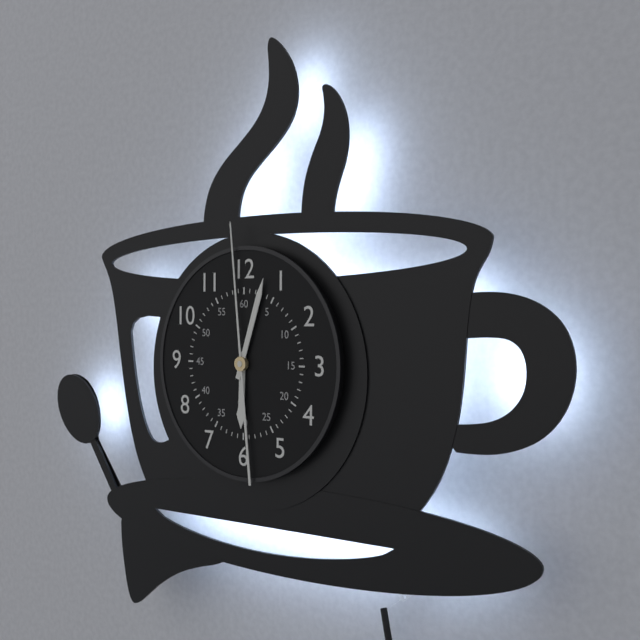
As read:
6,03,59
